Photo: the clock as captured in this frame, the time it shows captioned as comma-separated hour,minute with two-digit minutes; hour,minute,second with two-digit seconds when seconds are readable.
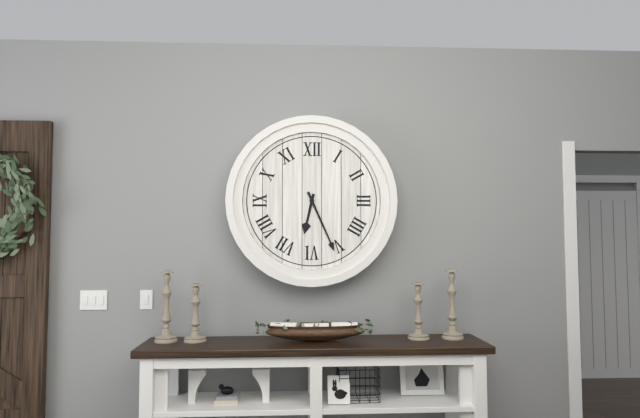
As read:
6,26
